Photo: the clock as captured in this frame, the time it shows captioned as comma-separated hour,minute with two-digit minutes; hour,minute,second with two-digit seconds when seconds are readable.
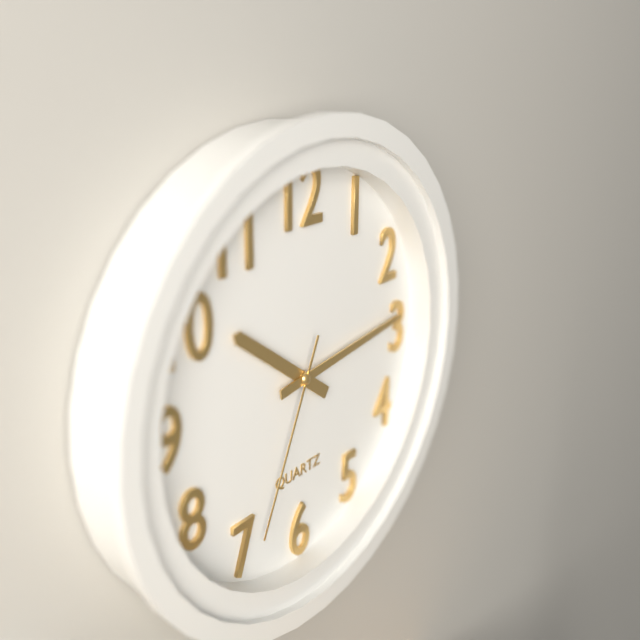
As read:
10,14,34
